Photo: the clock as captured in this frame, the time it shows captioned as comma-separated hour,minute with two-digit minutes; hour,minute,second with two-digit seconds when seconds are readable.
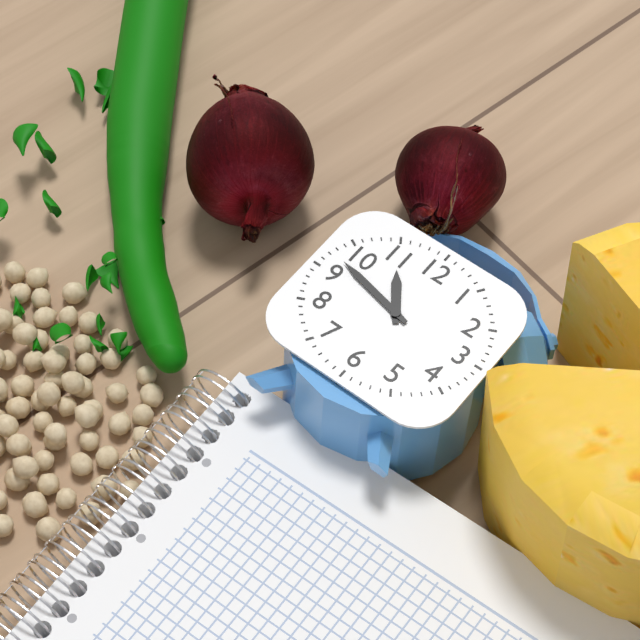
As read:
10,47
